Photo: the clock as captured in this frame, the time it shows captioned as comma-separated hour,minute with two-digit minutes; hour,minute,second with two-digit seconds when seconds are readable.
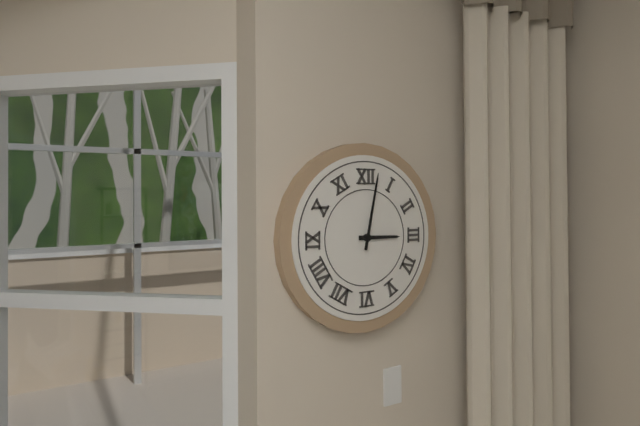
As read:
3,02
